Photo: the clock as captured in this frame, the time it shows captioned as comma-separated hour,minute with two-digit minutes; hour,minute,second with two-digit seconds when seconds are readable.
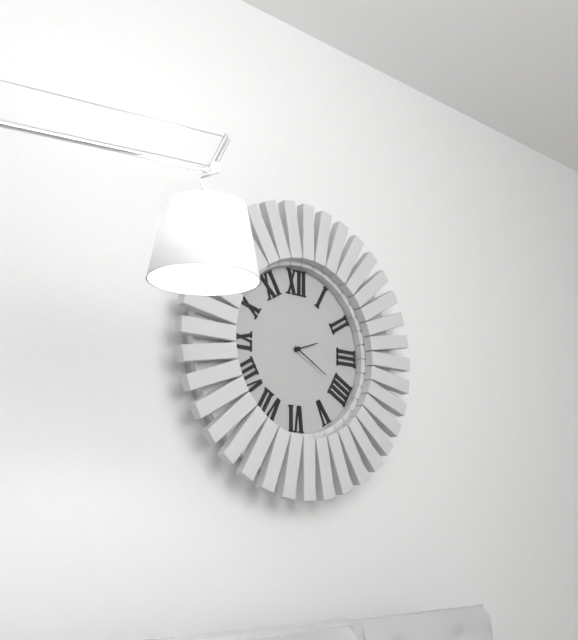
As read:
2,20
